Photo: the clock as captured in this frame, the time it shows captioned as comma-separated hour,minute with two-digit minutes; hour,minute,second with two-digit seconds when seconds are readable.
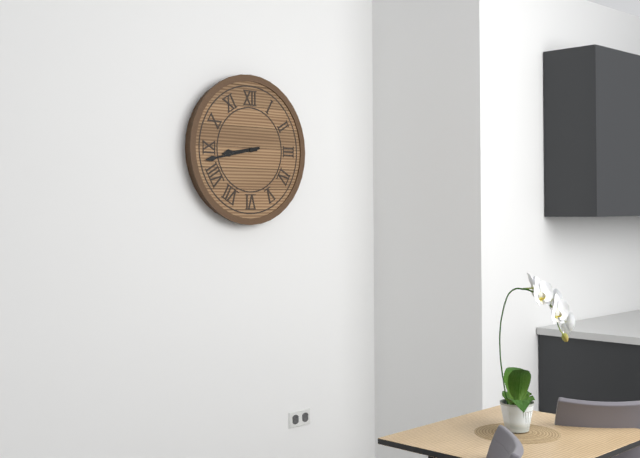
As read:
8,43
